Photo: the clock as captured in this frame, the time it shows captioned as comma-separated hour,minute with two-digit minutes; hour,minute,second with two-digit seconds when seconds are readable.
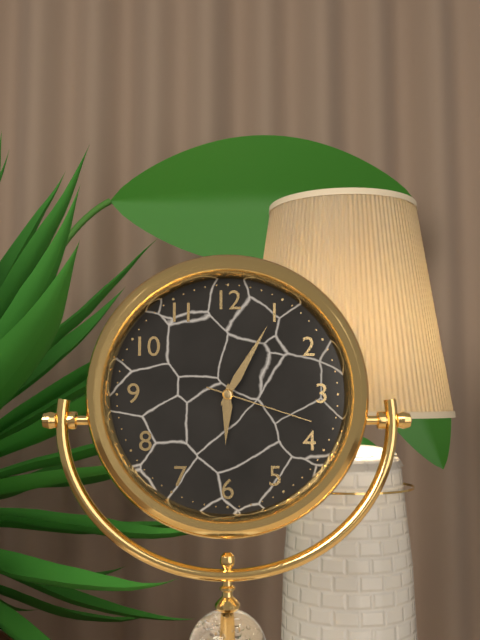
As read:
6,05,18
